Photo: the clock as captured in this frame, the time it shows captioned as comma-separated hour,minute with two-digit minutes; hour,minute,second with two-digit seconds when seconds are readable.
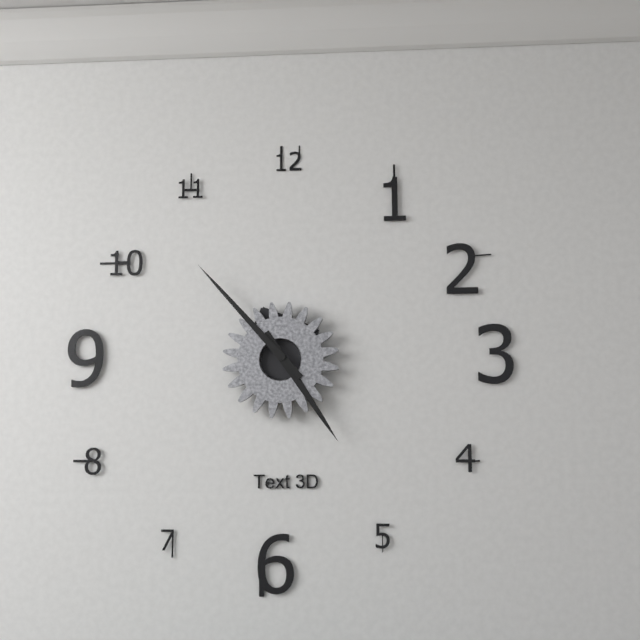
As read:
4,53
